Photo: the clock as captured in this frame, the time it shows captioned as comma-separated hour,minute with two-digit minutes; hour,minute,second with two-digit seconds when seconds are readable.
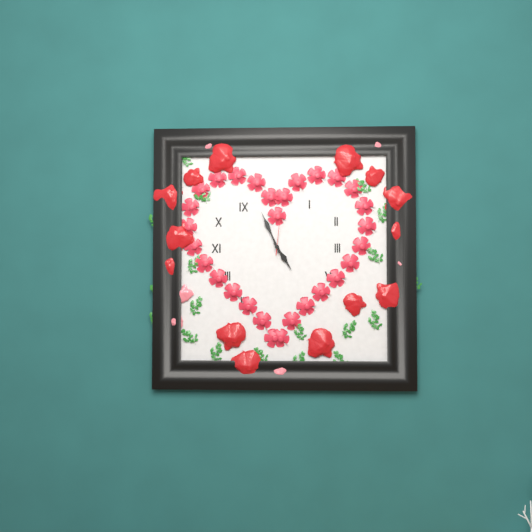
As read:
4,56
